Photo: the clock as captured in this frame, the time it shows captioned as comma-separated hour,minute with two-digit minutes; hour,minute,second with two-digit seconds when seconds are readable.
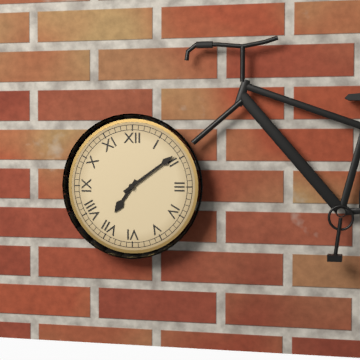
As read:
7,09
